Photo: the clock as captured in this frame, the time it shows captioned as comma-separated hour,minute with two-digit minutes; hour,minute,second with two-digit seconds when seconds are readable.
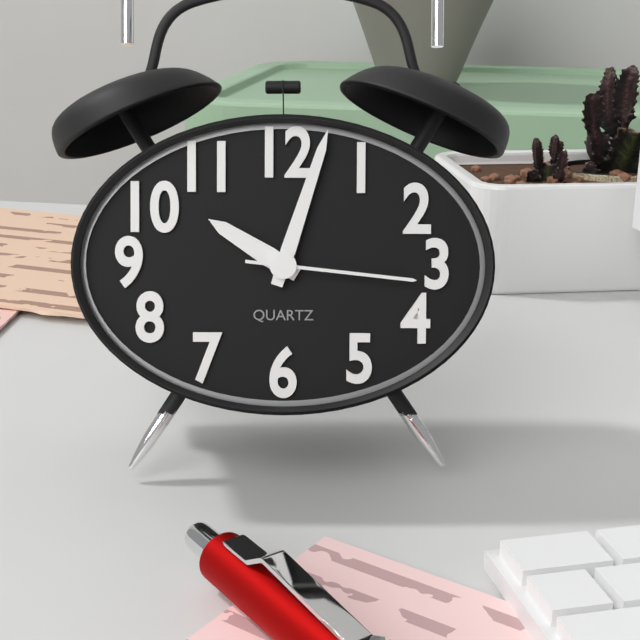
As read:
10,03,16
